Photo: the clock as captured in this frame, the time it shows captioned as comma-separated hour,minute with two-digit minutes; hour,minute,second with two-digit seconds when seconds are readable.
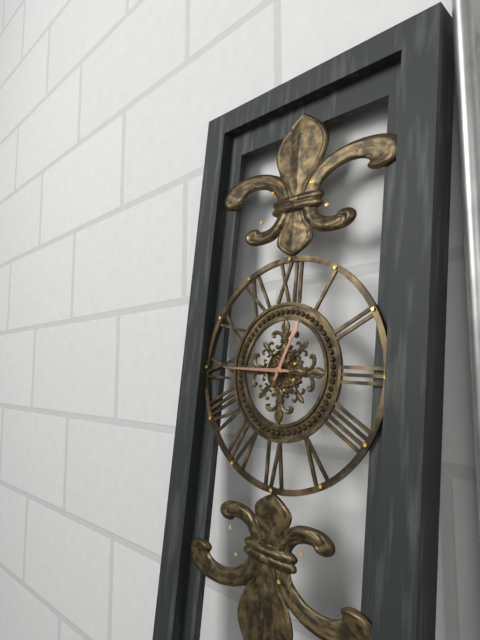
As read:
12,45
